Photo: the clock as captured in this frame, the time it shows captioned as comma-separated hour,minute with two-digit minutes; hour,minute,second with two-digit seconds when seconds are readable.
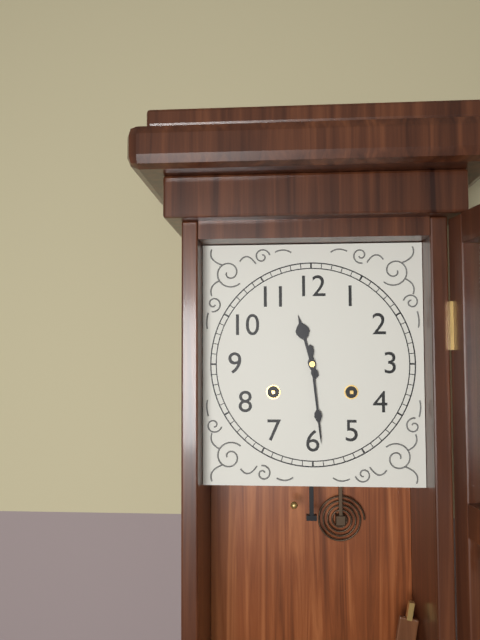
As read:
11,29
